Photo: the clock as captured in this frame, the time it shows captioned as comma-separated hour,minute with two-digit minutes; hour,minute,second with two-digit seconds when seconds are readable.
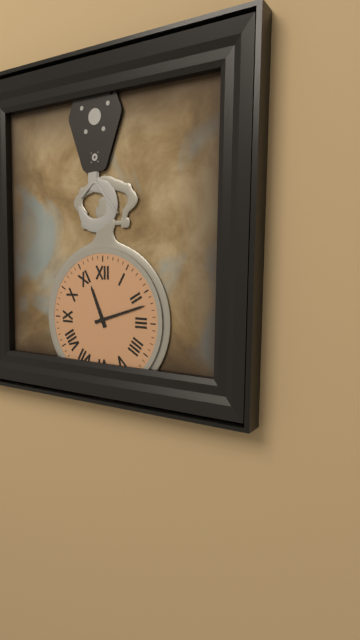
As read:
11,12
